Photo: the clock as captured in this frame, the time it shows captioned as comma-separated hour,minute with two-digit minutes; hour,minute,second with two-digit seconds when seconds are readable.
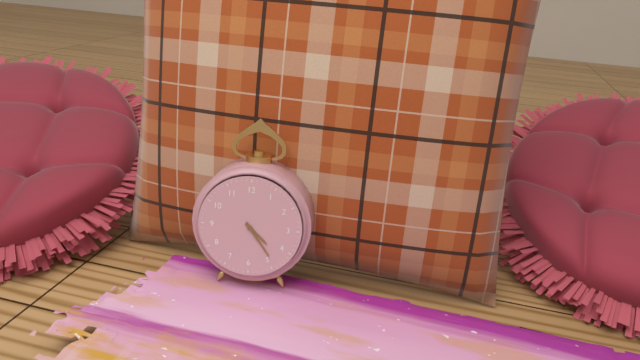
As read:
4,24
